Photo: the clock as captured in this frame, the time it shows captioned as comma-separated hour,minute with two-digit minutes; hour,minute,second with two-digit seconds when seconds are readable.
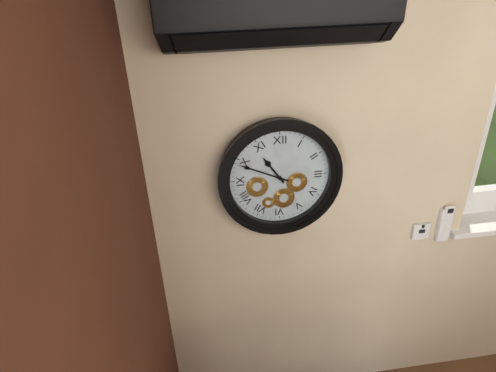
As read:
10,49
